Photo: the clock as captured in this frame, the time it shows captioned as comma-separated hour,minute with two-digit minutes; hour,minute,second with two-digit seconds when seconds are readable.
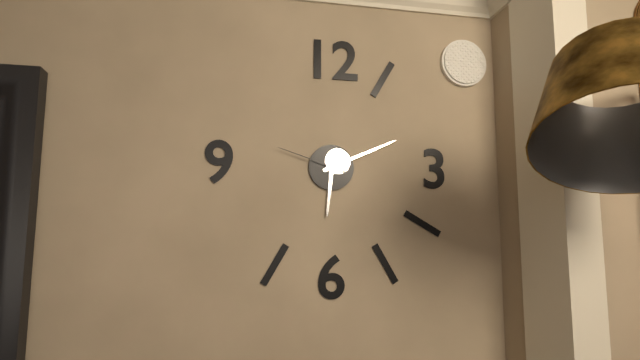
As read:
6,11,48
